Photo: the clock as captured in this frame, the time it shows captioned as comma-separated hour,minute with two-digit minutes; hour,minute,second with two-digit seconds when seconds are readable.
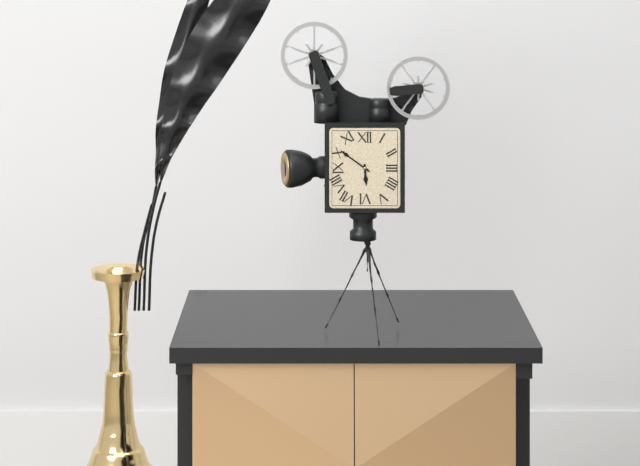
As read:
5,51
